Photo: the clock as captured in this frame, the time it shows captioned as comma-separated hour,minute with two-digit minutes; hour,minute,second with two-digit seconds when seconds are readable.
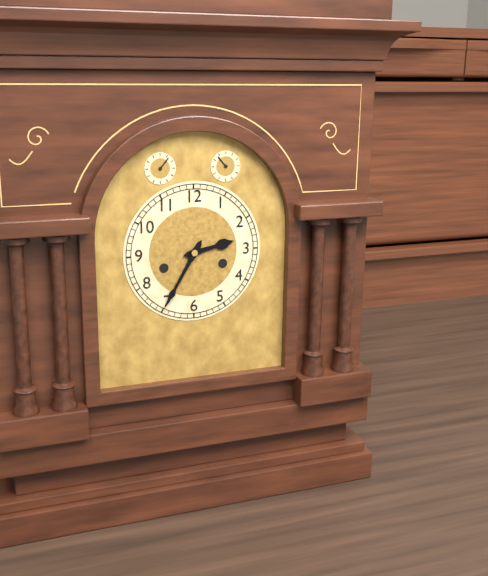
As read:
2,35
